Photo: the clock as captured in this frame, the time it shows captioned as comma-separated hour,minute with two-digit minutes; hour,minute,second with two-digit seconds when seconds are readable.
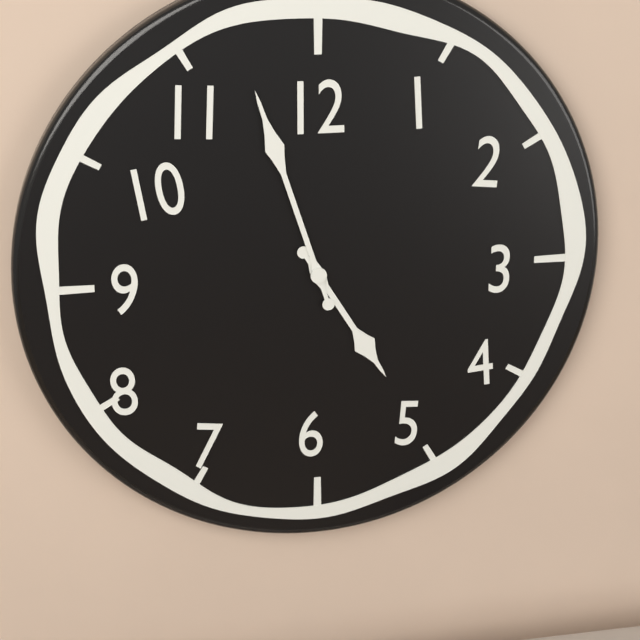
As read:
4,57
